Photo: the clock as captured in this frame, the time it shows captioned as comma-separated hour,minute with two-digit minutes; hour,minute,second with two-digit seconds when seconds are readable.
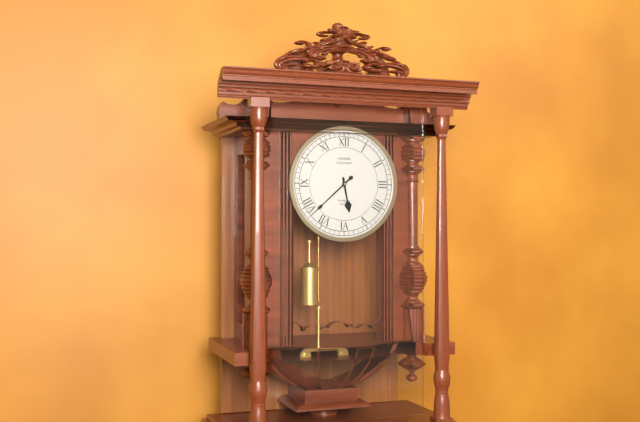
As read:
5,38
